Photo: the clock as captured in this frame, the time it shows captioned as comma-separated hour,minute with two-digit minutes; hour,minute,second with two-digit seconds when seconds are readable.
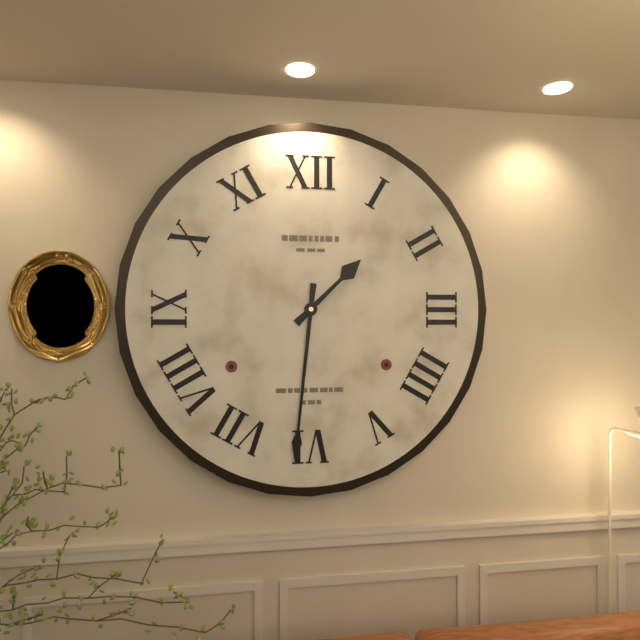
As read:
1,31
